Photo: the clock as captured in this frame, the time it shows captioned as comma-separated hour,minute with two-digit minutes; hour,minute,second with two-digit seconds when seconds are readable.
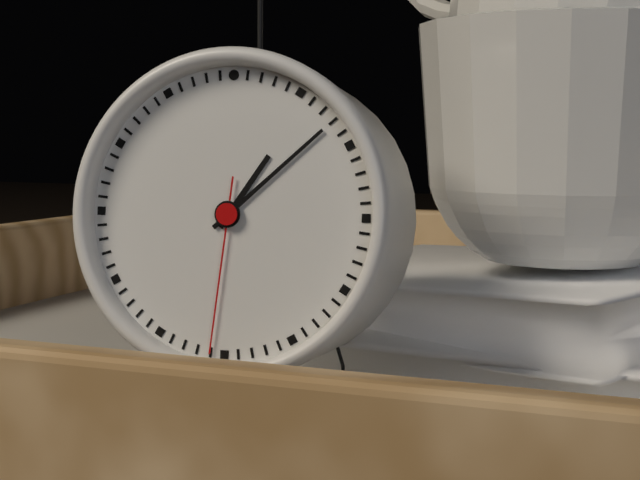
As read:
1,08,31
